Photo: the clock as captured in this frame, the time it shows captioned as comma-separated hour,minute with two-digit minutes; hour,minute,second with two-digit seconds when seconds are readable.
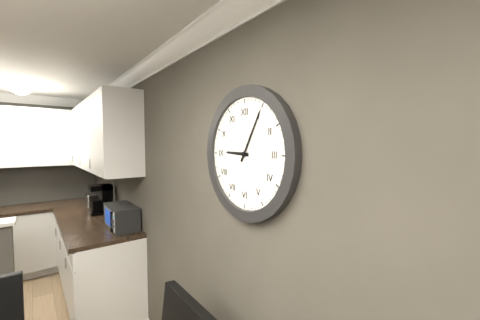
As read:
9,05
